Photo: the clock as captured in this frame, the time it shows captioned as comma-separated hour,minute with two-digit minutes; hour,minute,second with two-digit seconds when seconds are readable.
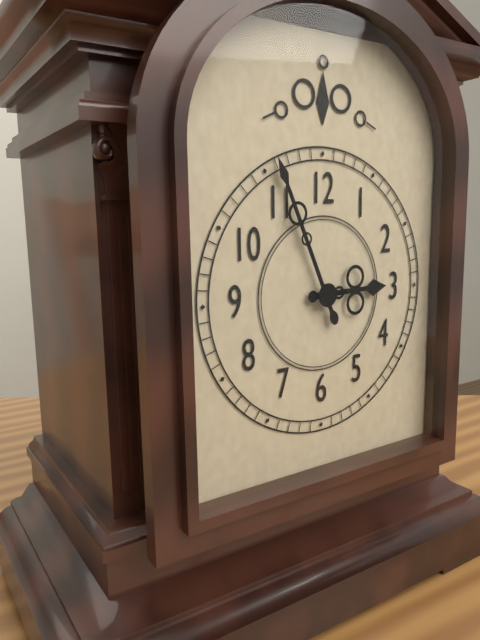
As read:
2,56
